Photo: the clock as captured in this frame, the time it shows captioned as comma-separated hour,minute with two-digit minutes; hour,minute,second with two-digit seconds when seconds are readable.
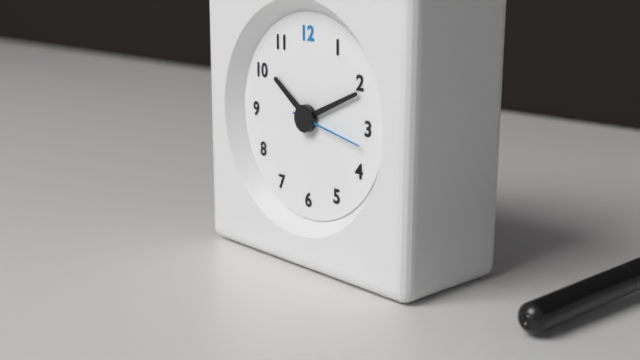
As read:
10,11,17
